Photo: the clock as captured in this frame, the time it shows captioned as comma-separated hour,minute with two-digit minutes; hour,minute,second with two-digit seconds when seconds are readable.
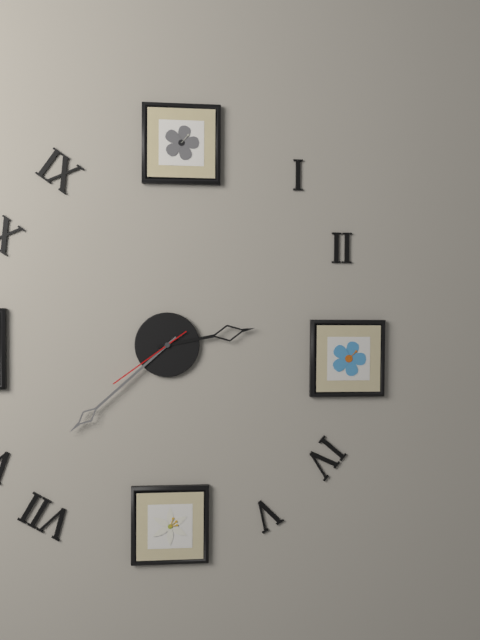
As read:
2,38,39
